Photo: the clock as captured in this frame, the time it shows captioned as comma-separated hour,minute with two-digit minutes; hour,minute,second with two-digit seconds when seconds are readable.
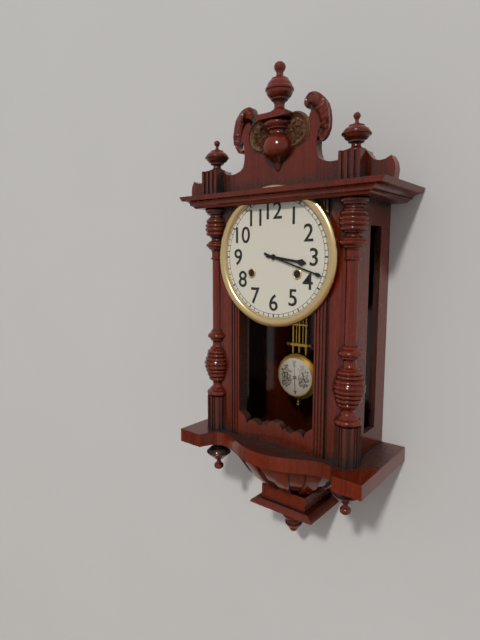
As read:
3,18
